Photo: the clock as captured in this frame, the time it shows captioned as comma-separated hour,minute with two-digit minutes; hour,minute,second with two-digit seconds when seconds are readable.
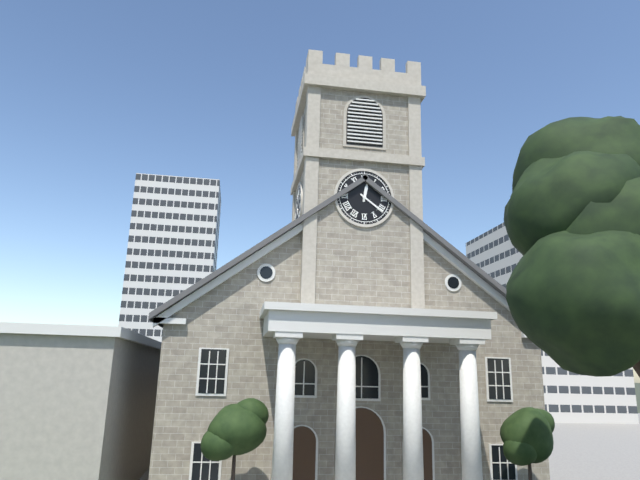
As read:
12,21
